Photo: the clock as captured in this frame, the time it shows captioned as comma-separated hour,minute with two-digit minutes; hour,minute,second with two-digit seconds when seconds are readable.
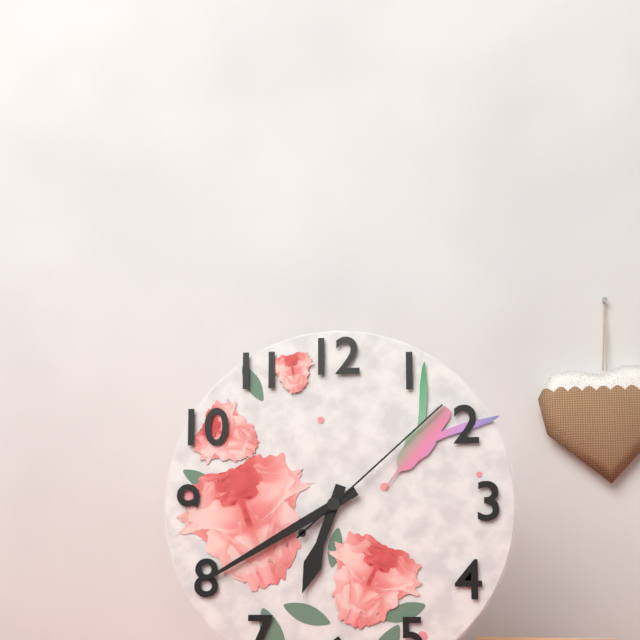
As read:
6,40,08
